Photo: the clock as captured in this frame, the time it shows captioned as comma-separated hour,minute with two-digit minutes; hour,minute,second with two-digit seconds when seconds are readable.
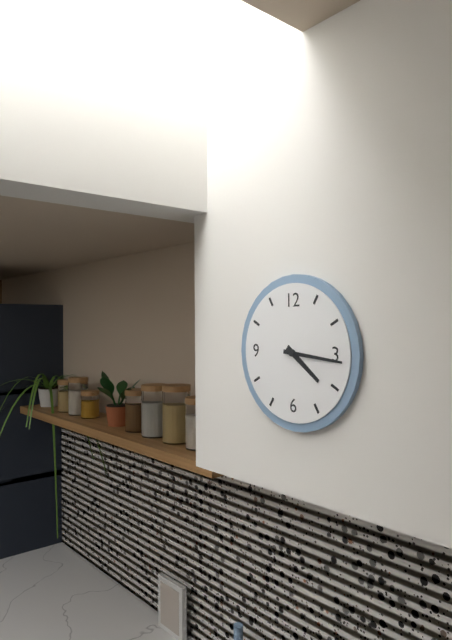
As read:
4,16
